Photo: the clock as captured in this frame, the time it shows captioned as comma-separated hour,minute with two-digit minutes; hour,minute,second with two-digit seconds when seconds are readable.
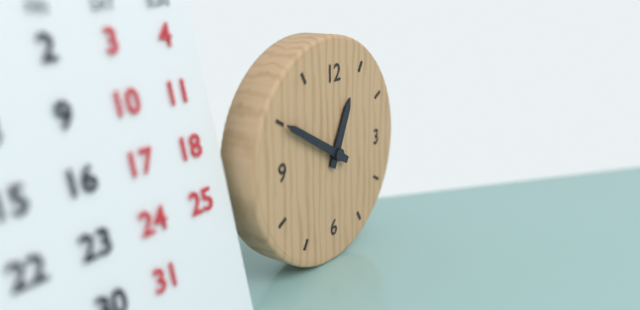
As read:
12,50
